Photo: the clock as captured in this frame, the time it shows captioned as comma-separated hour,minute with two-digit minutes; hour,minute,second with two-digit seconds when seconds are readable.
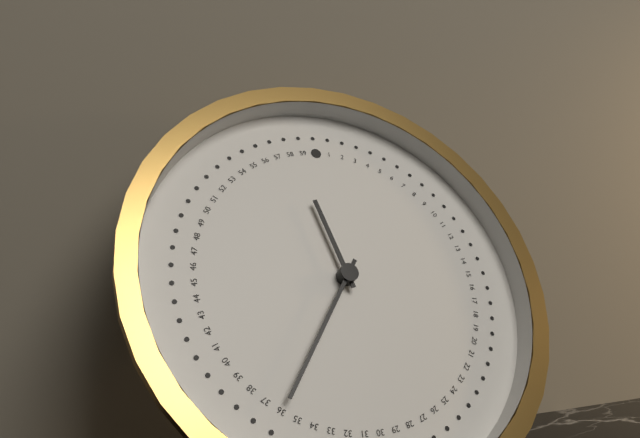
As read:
11,36
